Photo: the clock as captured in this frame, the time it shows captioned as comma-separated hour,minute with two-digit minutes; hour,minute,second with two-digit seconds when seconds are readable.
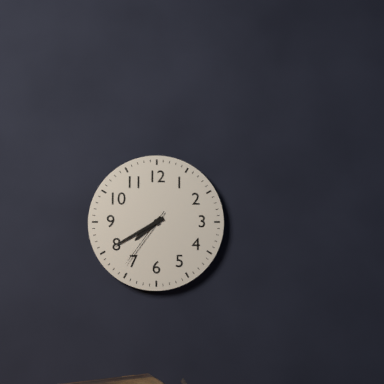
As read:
7,40,36
